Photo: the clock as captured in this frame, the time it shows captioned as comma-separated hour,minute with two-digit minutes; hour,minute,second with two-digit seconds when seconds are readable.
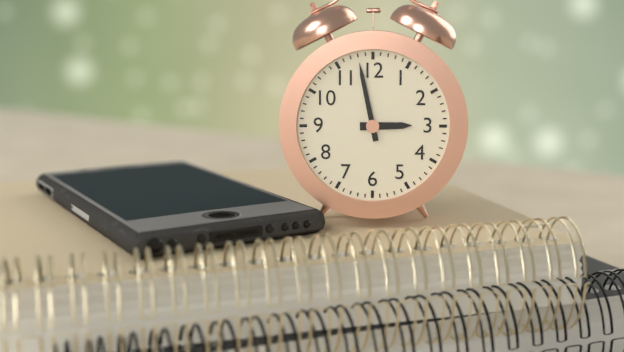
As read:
2,58
